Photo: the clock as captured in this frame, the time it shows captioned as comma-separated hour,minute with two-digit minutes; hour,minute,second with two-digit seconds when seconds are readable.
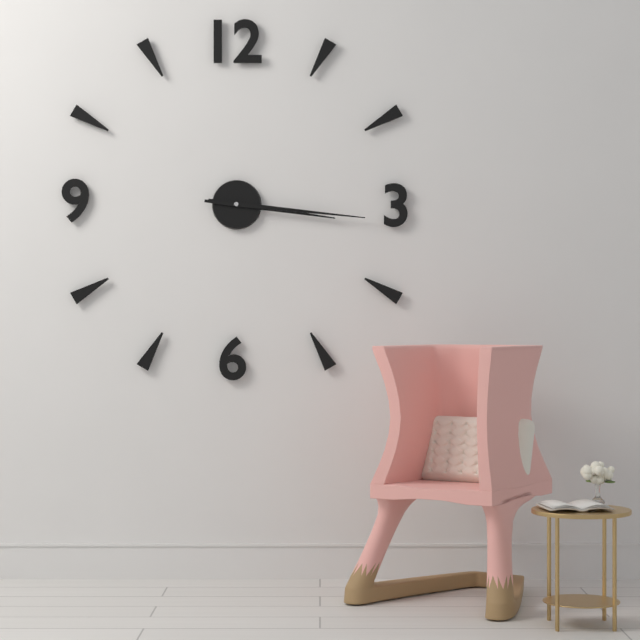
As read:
3,16
